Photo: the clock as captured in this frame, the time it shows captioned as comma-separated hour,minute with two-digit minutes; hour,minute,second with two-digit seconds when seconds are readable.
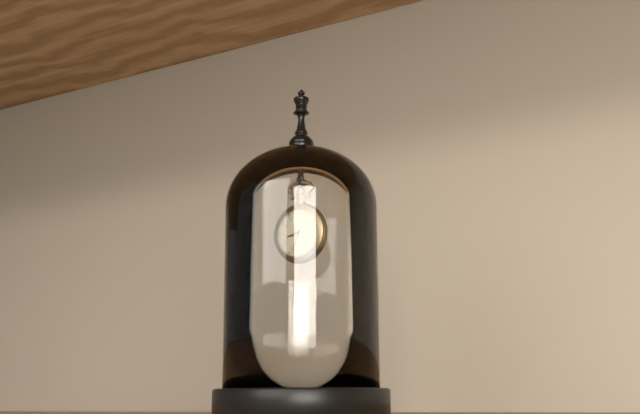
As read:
8,33
